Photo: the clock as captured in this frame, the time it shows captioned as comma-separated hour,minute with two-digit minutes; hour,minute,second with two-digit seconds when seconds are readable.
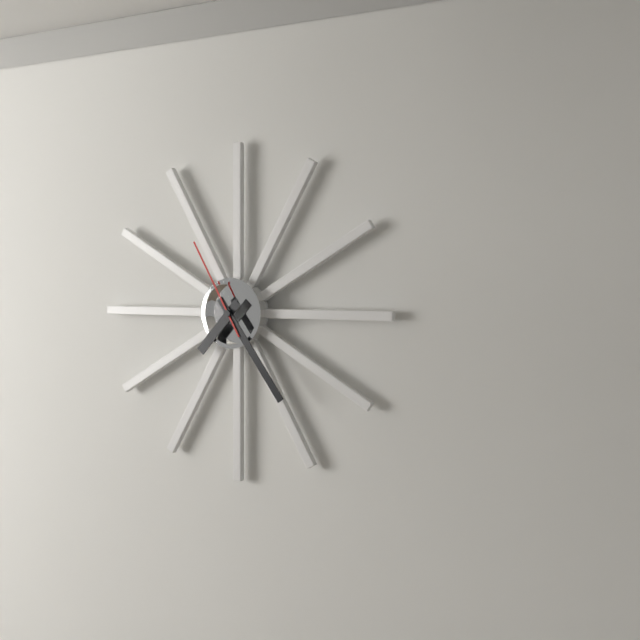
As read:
7,24,55
